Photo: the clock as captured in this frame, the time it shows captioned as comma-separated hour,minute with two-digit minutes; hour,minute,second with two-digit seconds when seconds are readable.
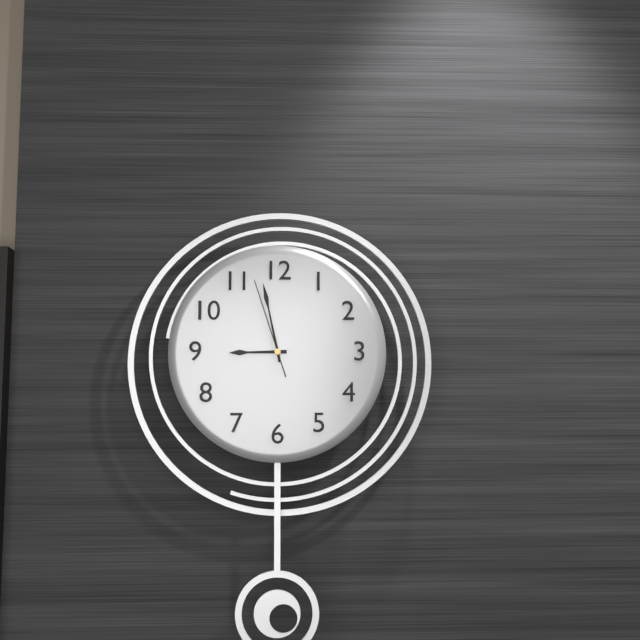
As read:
8,58,57
